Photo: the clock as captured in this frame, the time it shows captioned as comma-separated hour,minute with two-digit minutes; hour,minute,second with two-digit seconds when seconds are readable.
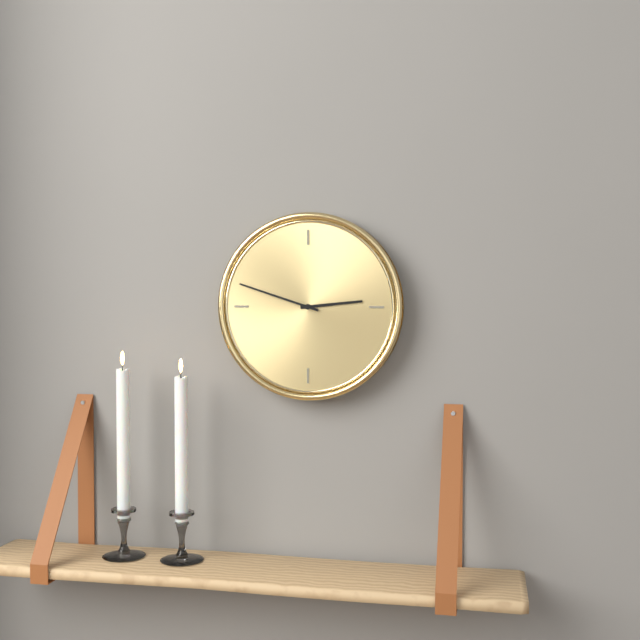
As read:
2,48
